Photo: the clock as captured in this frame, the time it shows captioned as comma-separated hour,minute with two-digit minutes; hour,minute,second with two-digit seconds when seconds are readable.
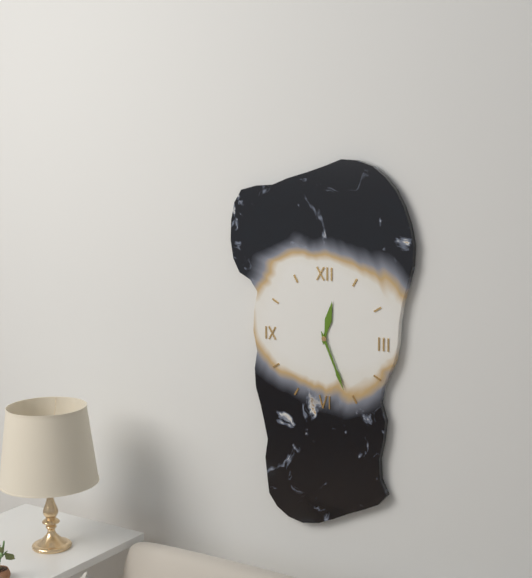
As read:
12,26
